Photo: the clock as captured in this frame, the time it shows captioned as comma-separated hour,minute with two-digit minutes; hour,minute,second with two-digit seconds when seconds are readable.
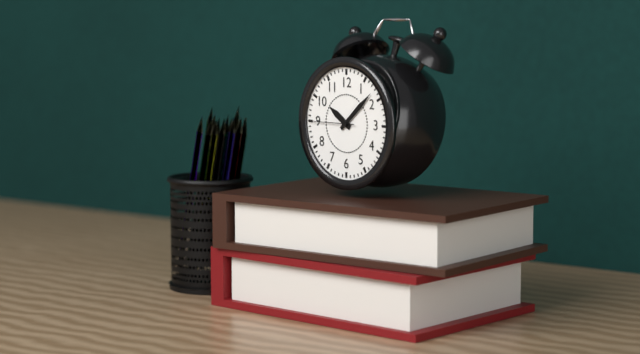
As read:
10,08
